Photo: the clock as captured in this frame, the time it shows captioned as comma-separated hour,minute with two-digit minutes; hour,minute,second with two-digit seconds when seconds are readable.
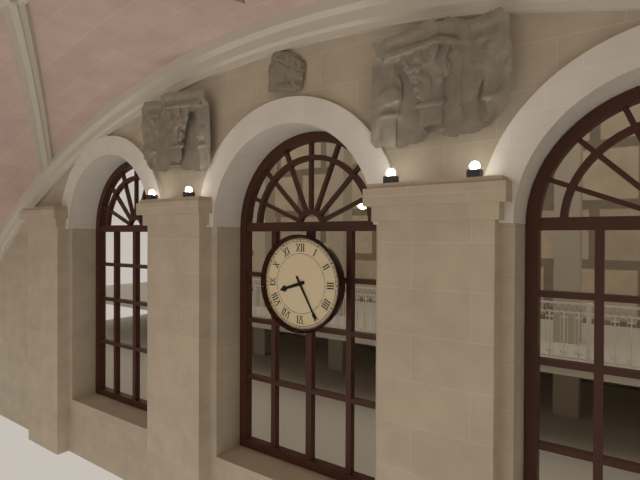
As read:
8,25
